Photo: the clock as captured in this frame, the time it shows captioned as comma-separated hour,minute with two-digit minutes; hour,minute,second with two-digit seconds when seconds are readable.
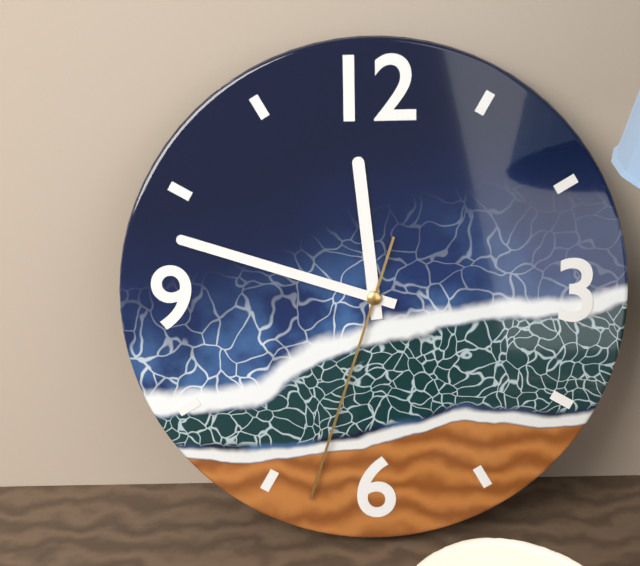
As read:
11,48,33
